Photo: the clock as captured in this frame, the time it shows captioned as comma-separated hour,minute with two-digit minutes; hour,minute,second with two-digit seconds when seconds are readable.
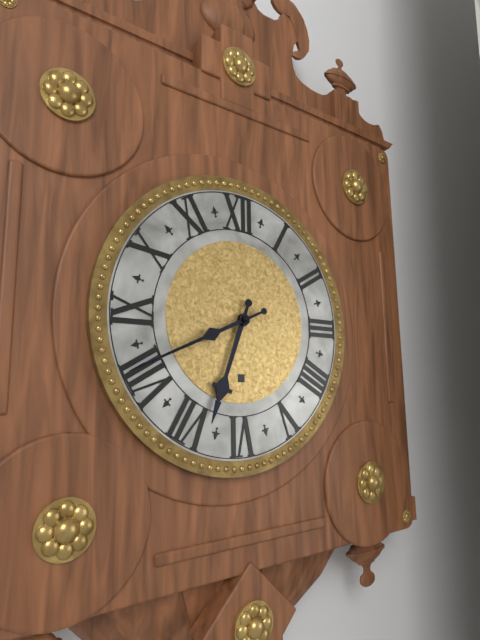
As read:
6,41
